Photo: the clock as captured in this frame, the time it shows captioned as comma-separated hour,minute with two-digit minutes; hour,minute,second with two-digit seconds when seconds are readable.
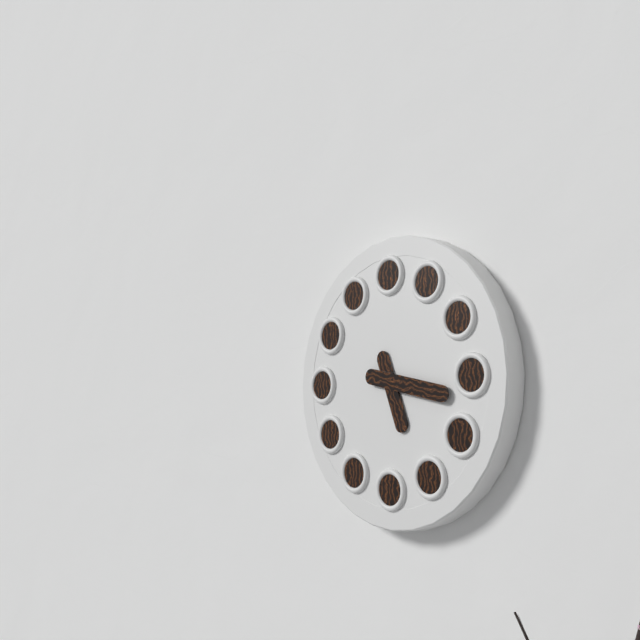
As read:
5,17
